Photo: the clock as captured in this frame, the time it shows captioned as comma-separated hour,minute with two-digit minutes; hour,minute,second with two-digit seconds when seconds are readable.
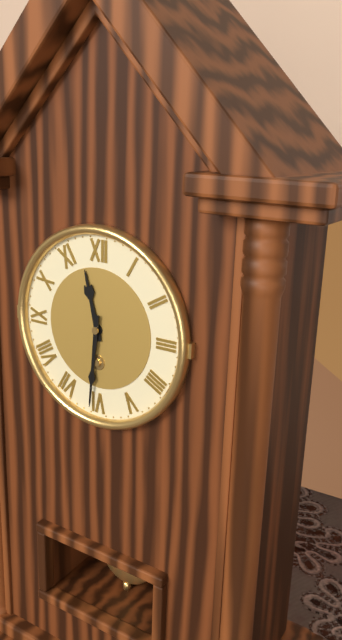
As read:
11,31
